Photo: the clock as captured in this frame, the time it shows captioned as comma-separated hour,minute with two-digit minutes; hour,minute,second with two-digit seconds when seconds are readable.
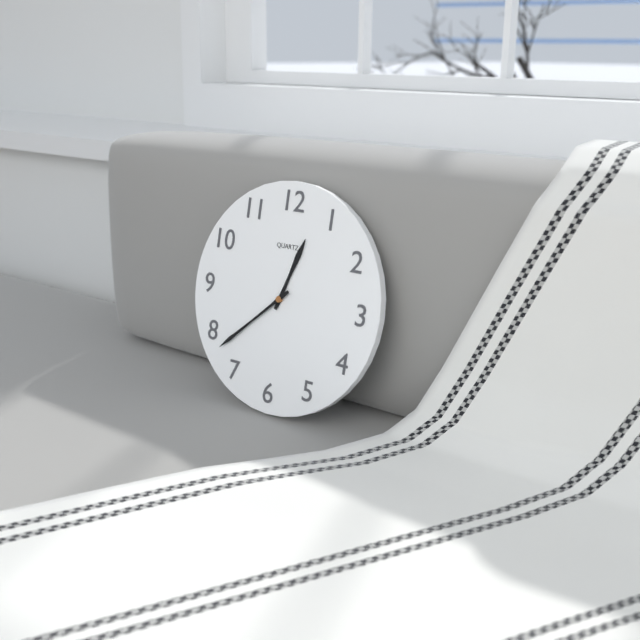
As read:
12,38
